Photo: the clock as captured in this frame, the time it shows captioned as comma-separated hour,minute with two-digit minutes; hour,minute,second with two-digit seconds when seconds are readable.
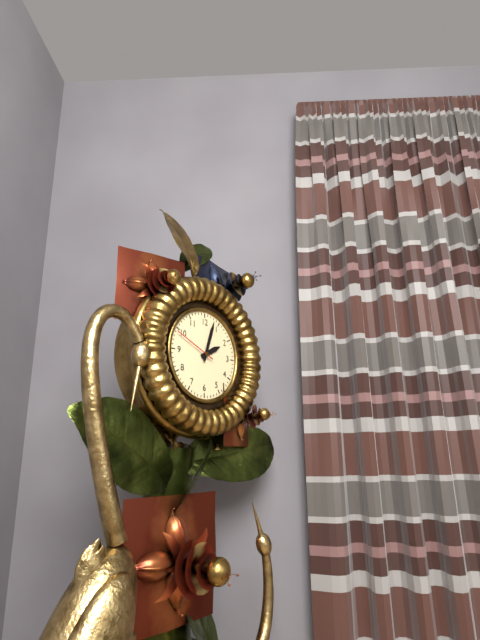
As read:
2,03
